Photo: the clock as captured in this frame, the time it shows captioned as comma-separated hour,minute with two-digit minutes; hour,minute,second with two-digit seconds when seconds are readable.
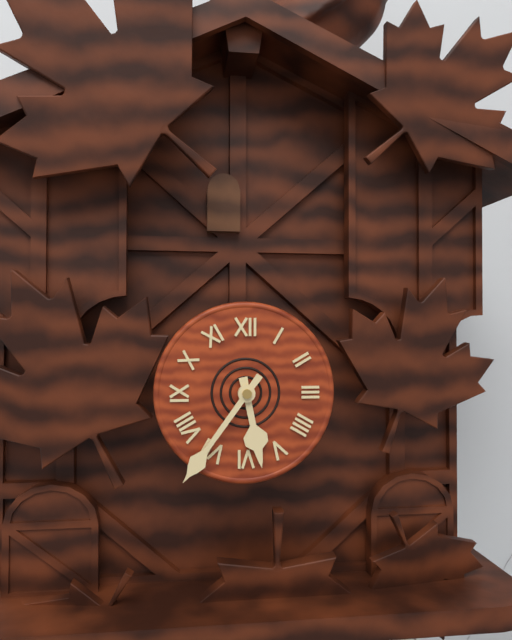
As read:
5,36
